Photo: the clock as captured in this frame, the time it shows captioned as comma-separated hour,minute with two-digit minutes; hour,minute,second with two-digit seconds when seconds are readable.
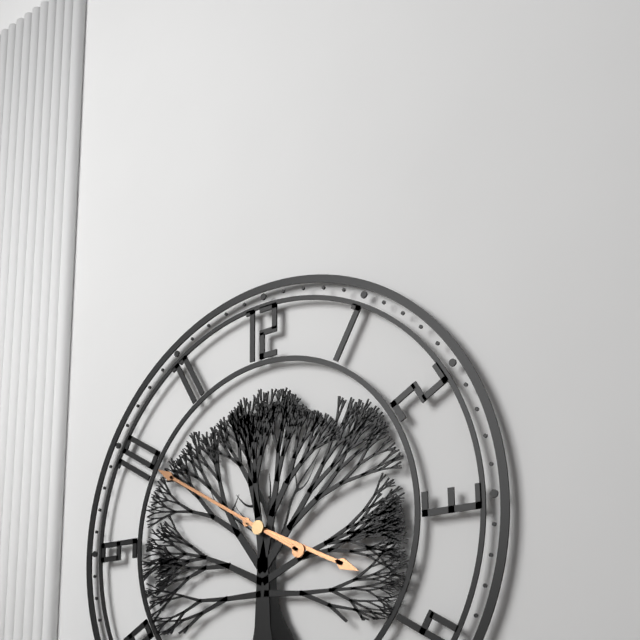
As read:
3,50
